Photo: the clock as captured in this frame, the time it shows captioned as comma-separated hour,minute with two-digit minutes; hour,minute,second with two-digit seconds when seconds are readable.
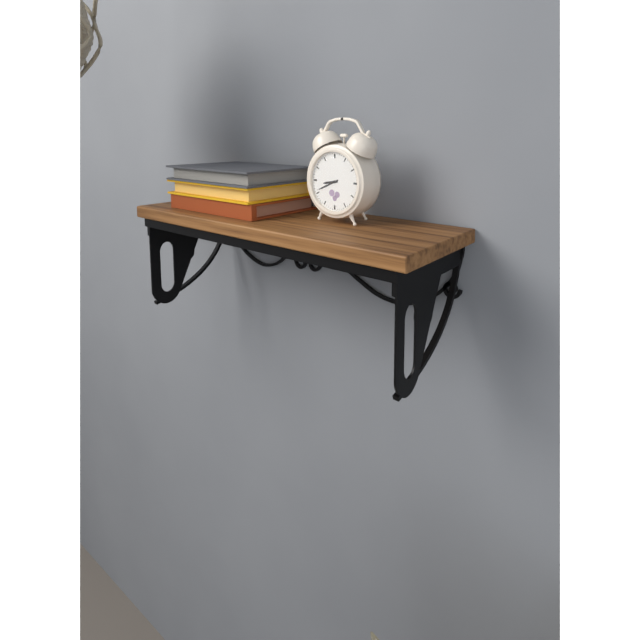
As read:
8,41
